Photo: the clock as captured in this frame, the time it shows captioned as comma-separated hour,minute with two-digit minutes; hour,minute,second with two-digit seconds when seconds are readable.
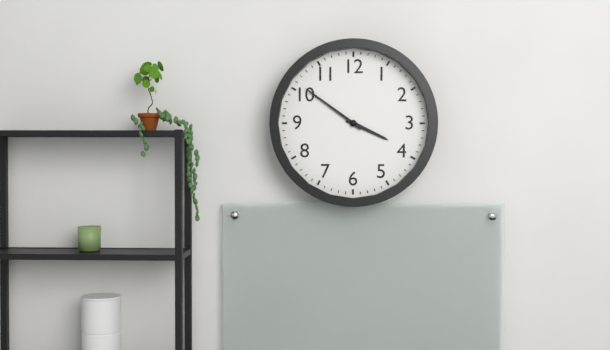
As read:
3,51
